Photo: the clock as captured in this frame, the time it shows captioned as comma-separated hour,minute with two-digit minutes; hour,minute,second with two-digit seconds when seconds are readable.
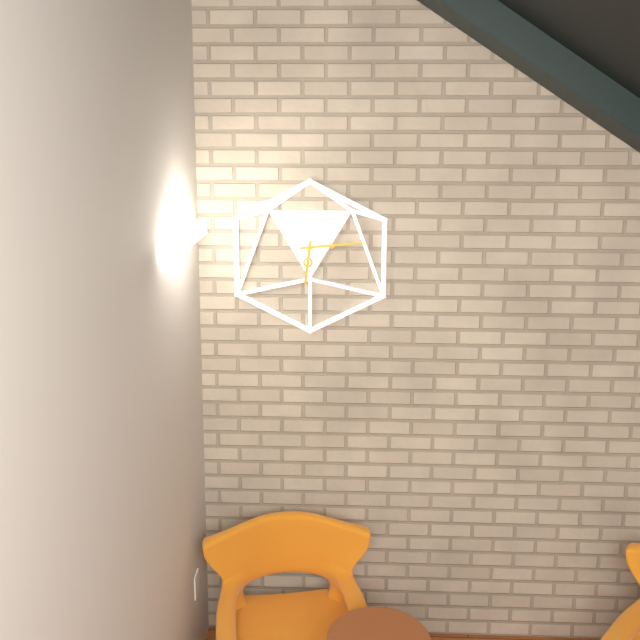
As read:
6,14
